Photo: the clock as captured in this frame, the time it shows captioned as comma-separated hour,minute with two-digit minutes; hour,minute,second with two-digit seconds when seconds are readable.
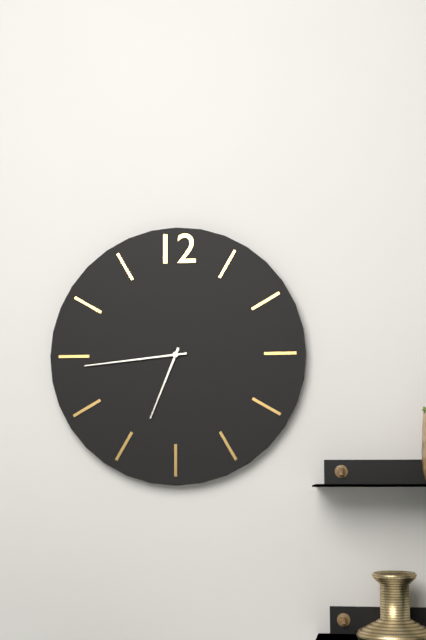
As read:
6,44
